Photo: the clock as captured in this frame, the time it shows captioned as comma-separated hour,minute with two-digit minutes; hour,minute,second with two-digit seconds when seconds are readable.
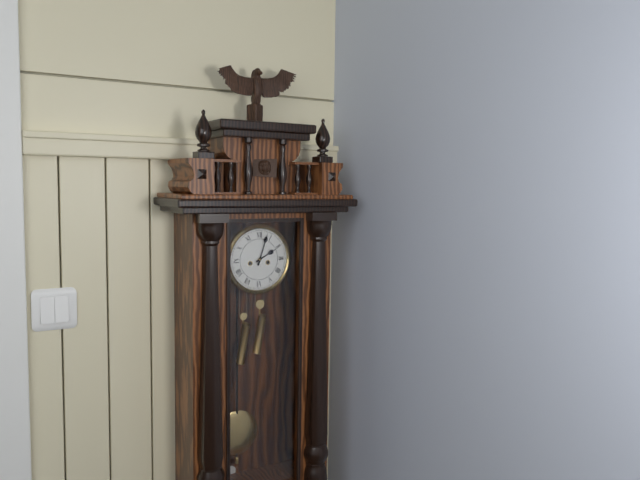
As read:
2,03
